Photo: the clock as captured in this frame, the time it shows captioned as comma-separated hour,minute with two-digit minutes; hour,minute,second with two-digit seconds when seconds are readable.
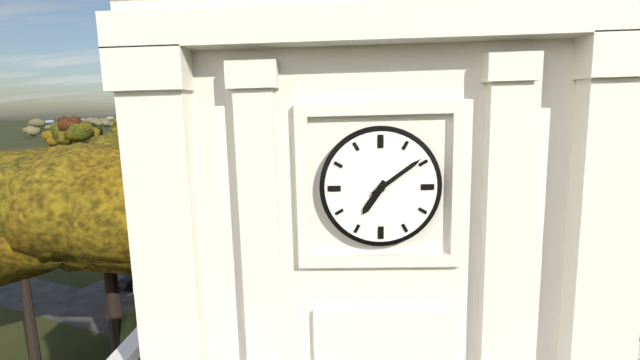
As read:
7,09
